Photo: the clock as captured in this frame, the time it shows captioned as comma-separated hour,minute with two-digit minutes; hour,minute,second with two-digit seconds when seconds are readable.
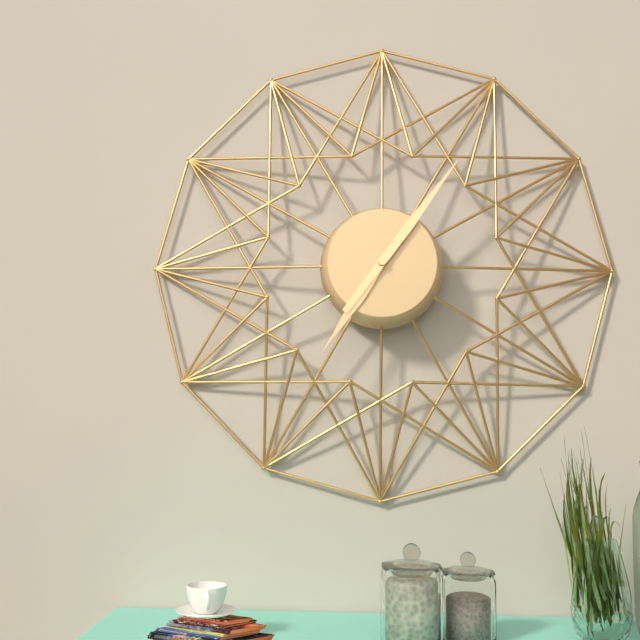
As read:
7,06
